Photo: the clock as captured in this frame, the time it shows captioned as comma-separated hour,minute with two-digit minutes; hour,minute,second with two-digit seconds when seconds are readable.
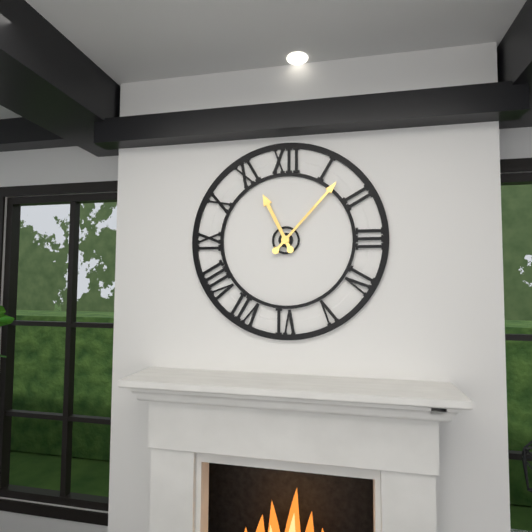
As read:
11,07
